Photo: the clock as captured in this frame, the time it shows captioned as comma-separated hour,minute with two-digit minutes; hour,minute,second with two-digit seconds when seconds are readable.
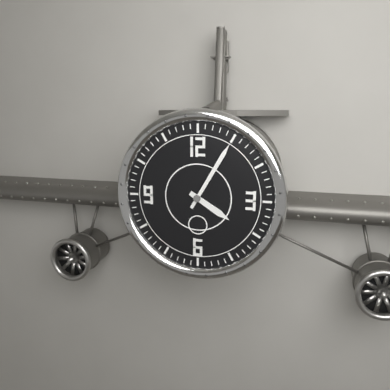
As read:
4,05
